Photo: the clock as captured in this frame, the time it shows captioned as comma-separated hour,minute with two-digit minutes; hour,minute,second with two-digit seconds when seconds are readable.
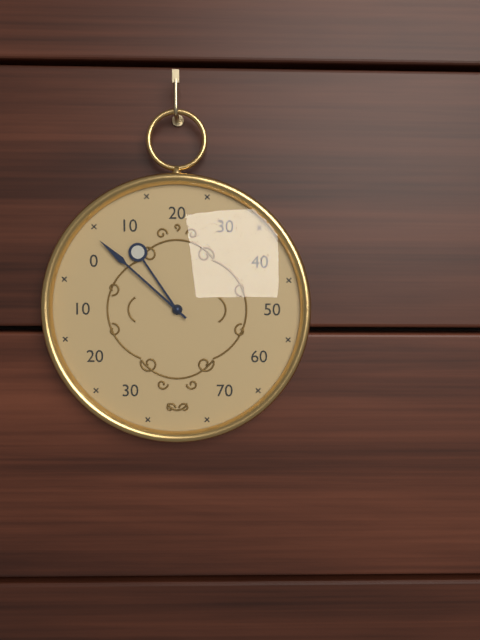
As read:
10,52
